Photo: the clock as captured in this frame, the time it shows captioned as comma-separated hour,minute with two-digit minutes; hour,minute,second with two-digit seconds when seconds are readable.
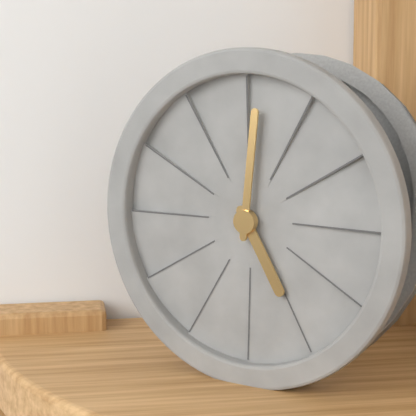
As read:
5,01
